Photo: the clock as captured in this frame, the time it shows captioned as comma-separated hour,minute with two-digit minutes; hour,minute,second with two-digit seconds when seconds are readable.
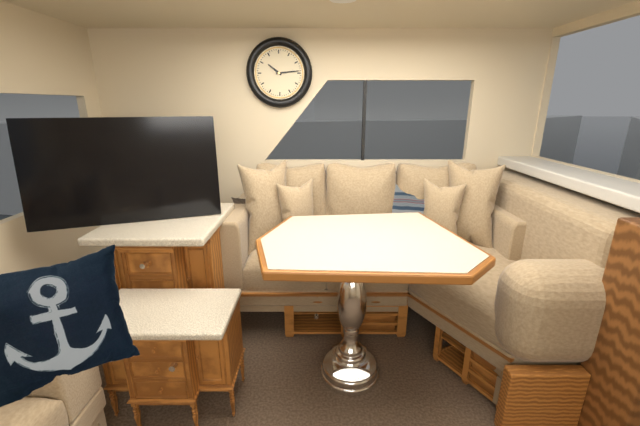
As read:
10,14
